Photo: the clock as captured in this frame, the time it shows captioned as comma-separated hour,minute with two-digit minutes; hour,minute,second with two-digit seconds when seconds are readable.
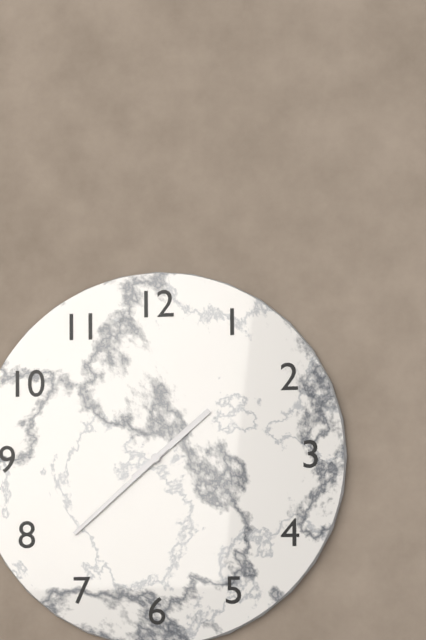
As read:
1,38
